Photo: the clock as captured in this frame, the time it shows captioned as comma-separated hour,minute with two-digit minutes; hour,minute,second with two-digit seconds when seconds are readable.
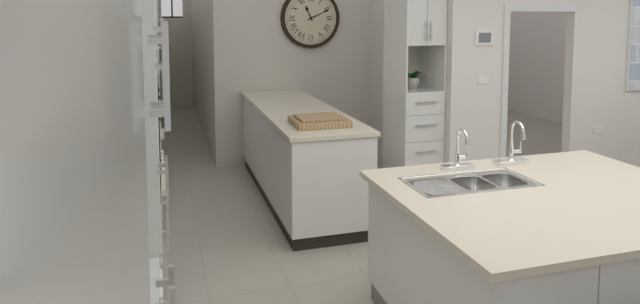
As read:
11,11
